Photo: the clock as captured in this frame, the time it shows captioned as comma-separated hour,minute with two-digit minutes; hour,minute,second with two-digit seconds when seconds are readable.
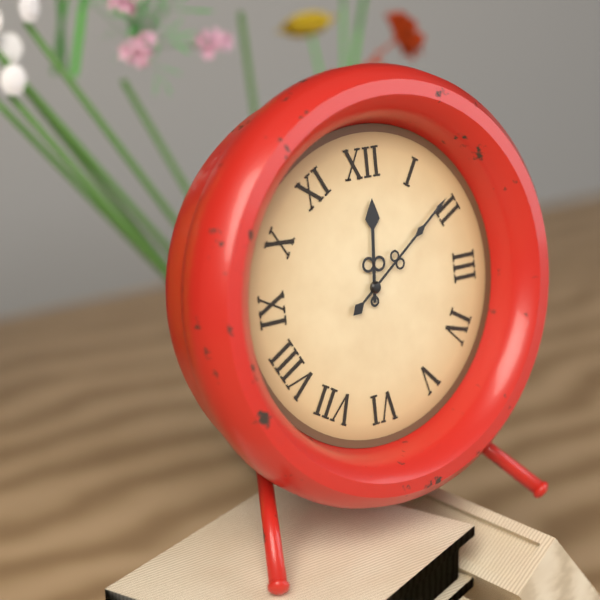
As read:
12,09
